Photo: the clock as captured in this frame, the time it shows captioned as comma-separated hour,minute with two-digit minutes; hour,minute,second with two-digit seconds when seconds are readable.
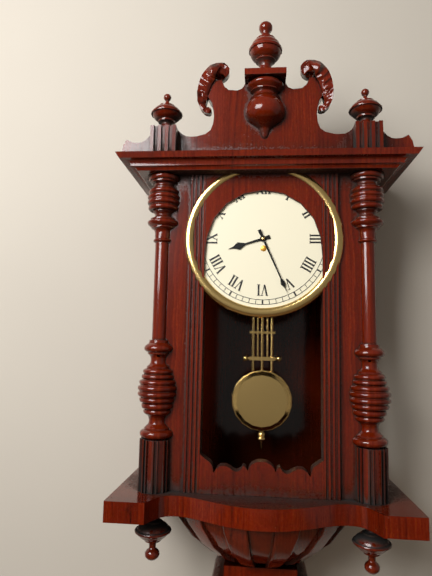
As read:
8,26
